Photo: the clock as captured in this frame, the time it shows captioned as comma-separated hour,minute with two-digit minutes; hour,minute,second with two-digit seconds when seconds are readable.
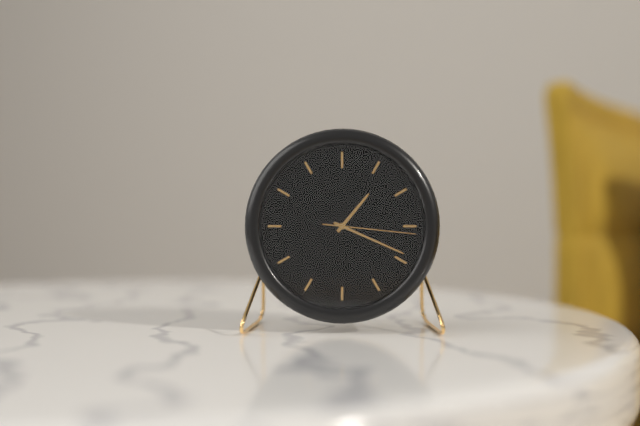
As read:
1,19,16
